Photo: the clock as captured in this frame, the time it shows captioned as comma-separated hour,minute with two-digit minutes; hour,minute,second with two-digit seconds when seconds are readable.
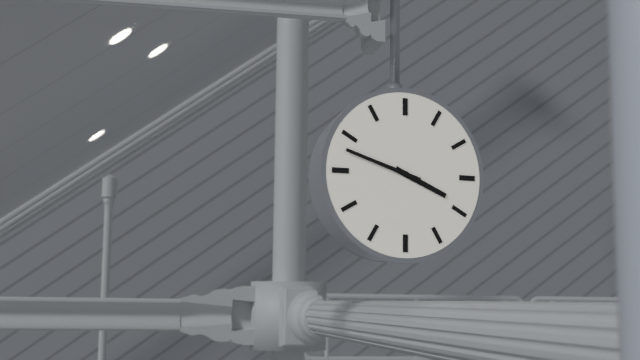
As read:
3,48
